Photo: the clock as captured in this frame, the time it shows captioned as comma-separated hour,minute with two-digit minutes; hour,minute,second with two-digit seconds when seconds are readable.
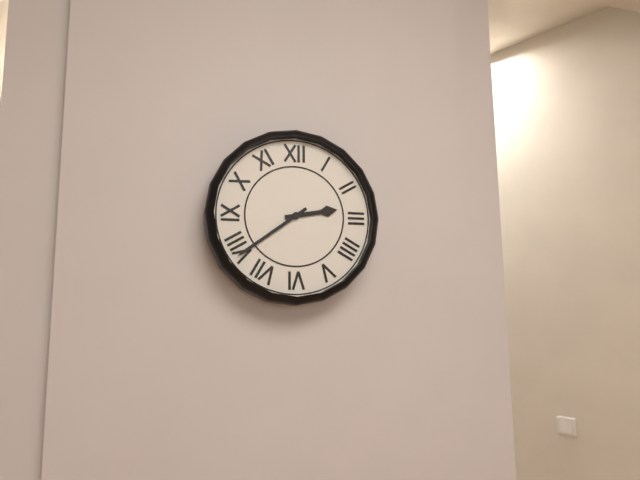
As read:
2,39
